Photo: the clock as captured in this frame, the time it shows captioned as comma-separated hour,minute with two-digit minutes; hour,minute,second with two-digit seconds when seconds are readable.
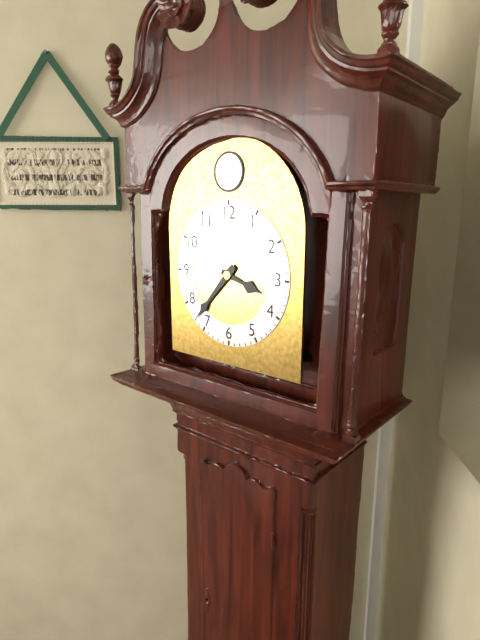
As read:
3,37
